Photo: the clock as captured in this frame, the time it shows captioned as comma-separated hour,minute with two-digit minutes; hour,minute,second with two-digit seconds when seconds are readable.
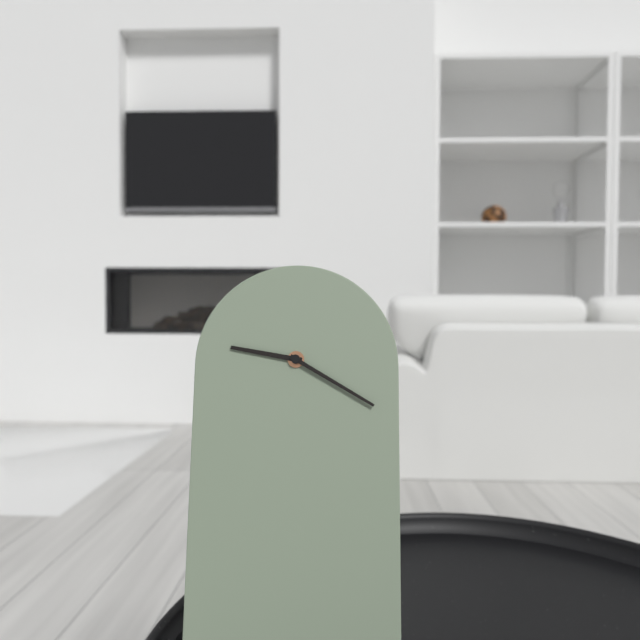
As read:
9,20
